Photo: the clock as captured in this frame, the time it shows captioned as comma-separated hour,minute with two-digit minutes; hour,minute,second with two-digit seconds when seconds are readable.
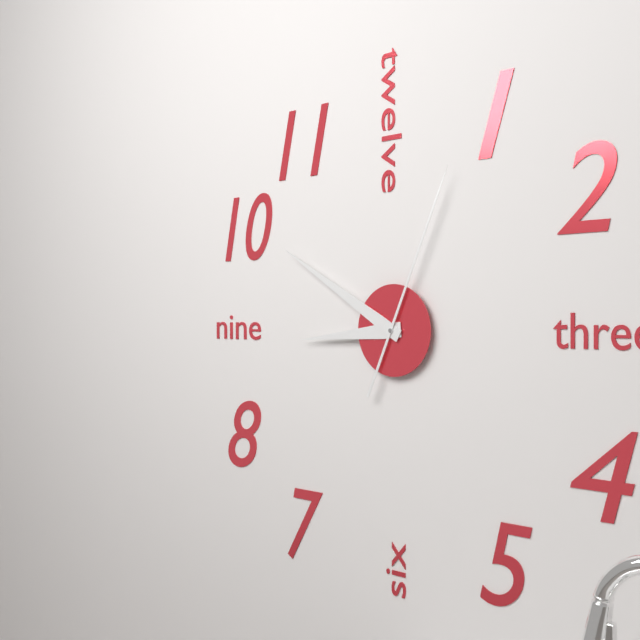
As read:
8,50,04
